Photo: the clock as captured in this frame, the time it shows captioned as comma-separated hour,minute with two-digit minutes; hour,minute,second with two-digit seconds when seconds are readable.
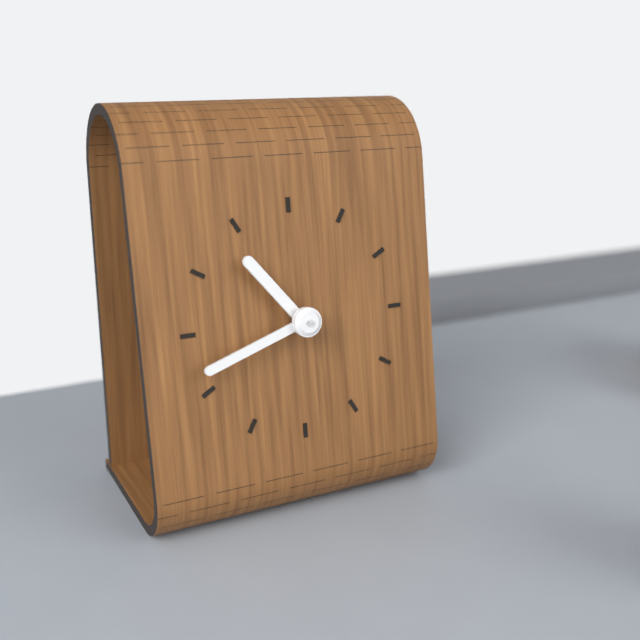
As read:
10,42
